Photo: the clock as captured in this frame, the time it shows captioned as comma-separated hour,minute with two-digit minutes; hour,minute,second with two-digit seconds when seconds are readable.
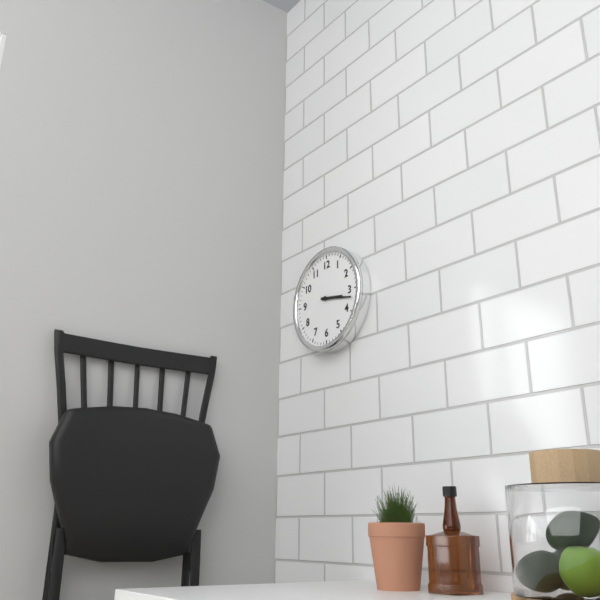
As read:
3,17
